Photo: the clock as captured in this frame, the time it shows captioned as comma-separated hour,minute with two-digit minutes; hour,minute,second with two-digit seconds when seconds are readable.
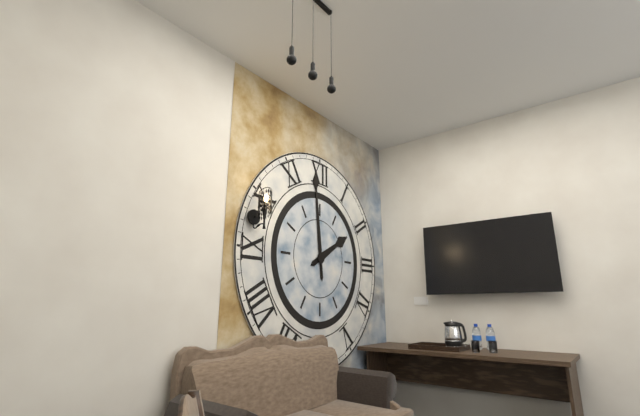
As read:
1,59
